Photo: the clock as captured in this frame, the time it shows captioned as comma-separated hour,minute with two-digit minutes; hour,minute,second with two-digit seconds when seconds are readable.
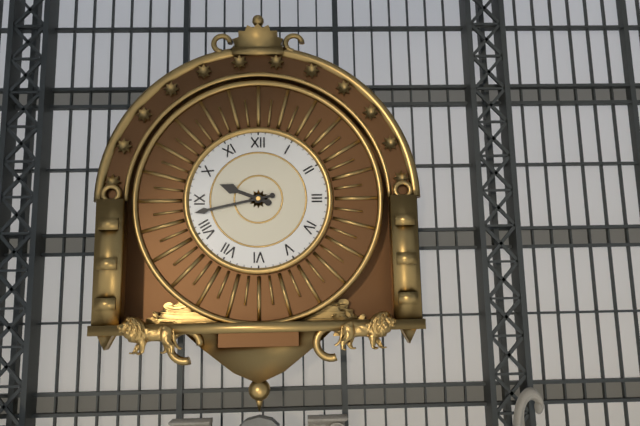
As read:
9,43
